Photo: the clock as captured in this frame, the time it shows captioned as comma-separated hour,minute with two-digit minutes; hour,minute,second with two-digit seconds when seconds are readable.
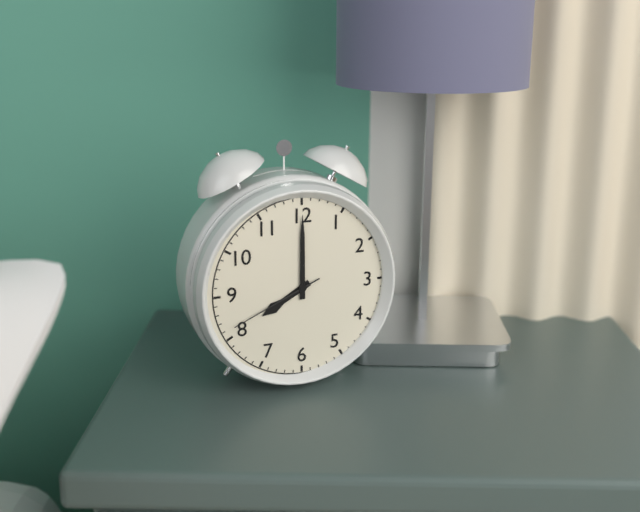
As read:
8,00,41
